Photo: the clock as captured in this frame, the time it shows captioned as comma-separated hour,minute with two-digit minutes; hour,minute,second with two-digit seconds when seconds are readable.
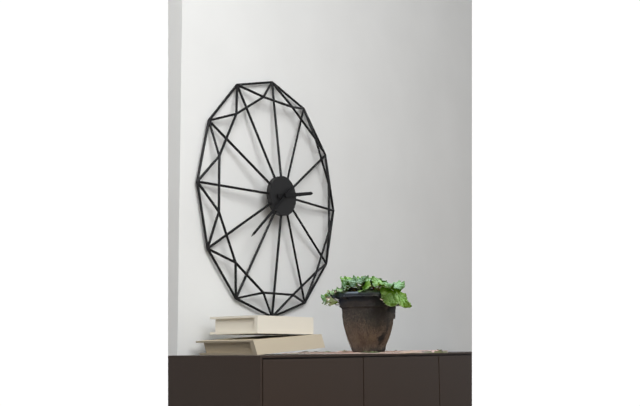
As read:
2,38
